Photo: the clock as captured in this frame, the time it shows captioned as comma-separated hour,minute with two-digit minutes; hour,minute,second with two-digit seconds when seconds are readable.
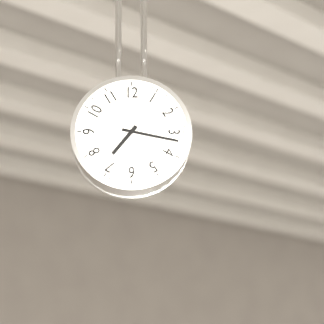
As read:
7,17
